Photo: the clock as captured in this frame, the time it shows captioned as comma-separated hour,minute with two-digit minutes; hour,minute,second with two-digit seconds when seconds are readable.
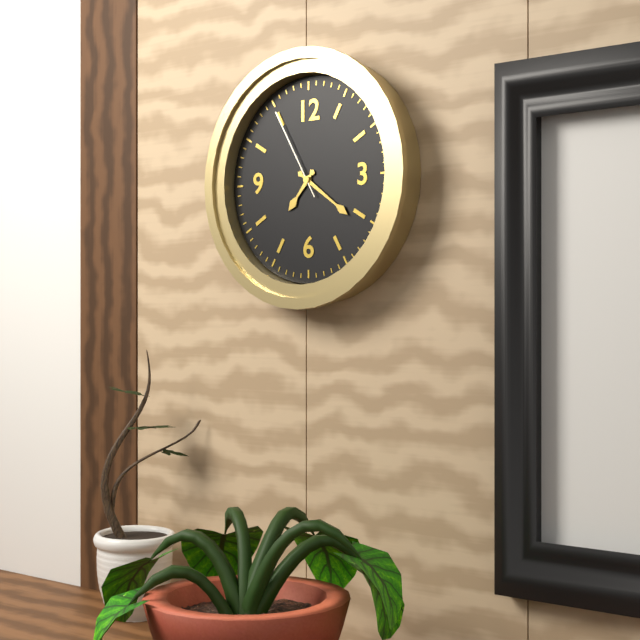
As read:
7,21,55
